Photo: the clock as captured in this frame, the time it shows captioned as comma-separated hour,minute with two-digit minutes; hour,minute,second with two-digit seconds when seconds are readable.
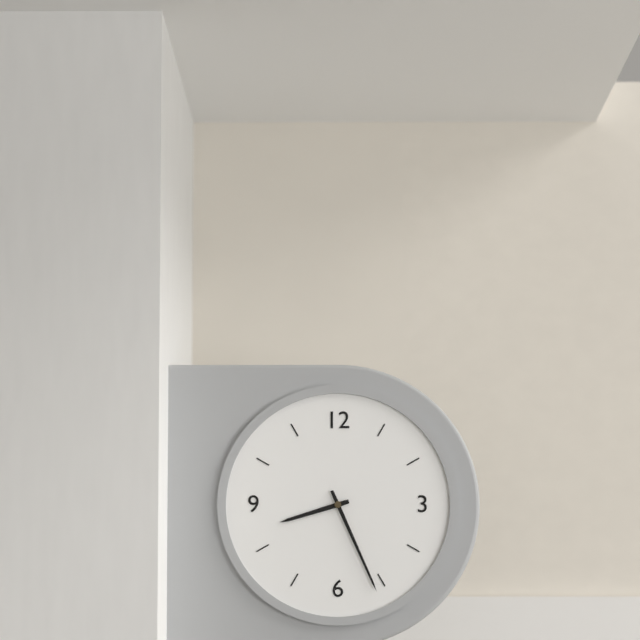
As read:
8,26
